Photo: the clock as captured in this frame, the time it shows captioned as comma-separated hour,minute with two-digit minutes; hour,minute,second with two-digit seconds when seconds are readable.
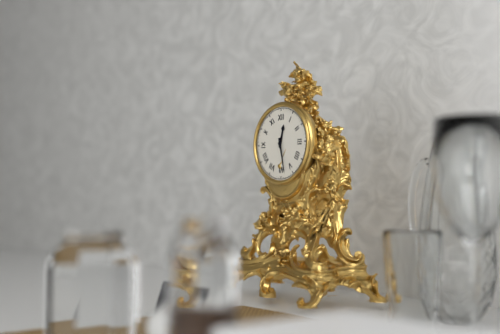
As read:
12,28
